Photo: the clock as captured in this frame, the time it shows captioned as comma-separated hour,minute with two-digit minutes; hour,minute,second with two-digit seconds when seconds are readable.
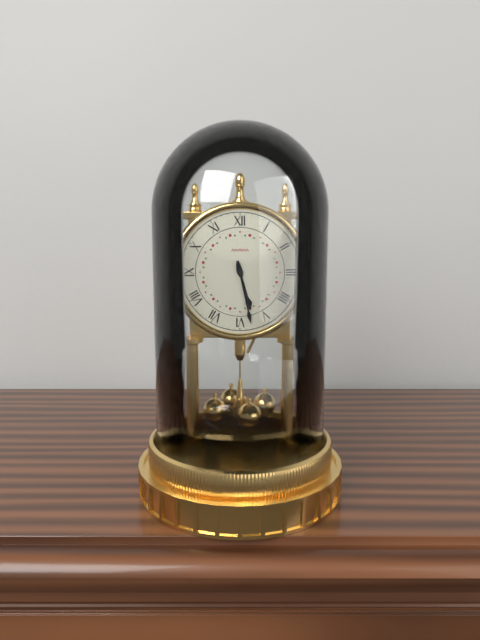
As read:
5,28
